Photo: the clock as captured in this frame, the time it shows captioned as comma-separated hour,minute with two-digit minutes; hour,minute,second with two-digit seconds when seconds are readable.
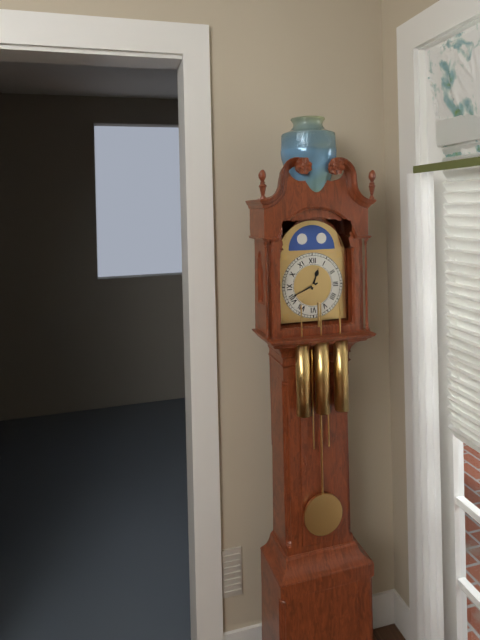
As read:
12,41
